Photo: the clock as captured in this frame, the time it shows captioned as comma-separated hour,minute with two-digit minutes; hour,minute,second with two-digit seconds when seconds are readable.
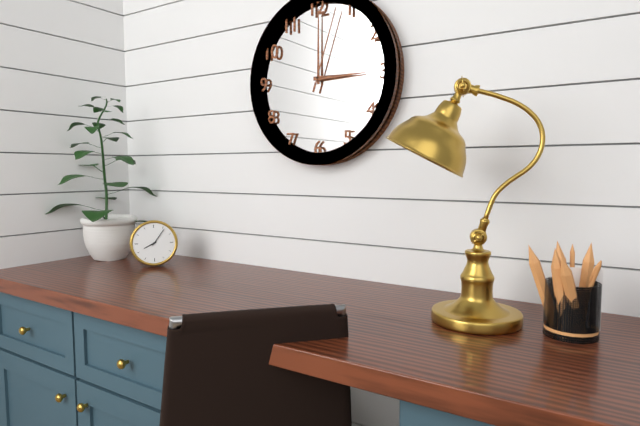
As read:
8,06
